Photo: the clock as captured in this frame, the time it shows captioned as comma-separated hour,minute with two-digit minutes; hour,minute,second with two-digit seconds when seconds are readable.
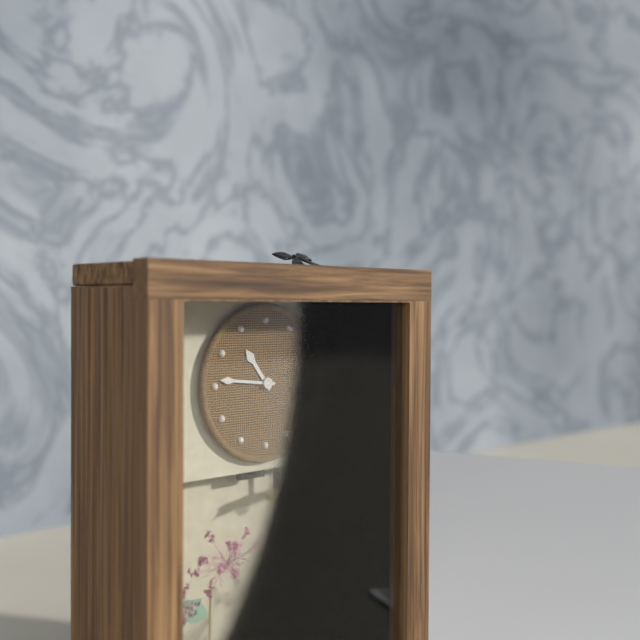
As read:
10,46
